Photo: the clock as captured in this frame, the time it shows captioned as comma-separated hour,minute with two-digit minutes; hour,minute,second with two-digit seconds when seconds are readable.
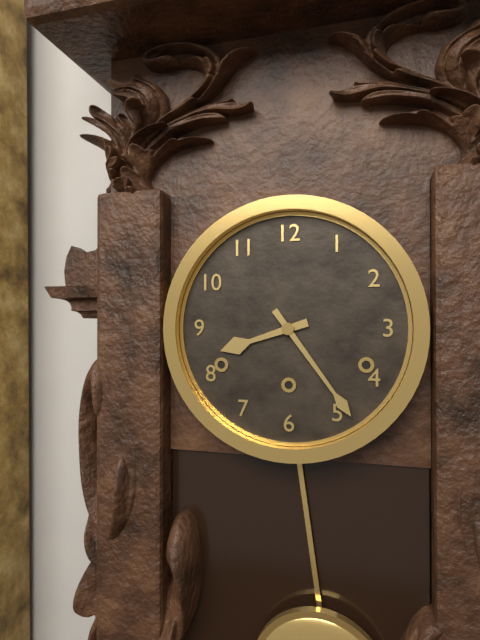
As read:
8,24
